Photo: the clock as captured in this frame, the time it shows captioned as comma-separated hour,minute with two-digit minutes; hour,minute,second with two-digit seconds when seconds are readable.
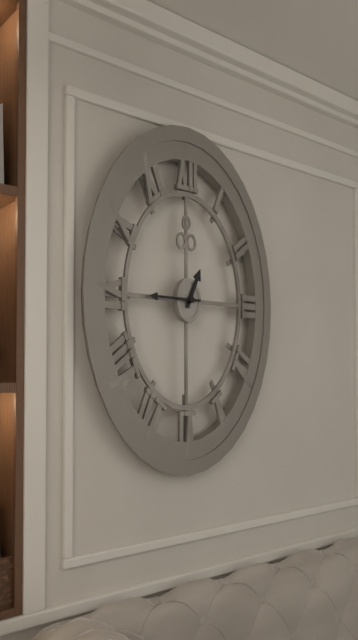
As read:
12,45
